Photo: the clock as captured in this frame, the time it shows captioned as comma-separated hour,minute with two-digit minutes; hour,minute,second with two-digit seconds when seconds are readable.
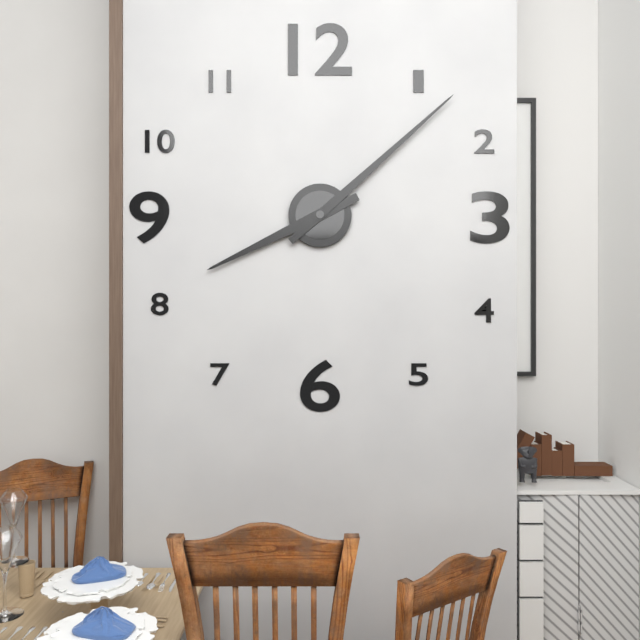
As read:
8,08
